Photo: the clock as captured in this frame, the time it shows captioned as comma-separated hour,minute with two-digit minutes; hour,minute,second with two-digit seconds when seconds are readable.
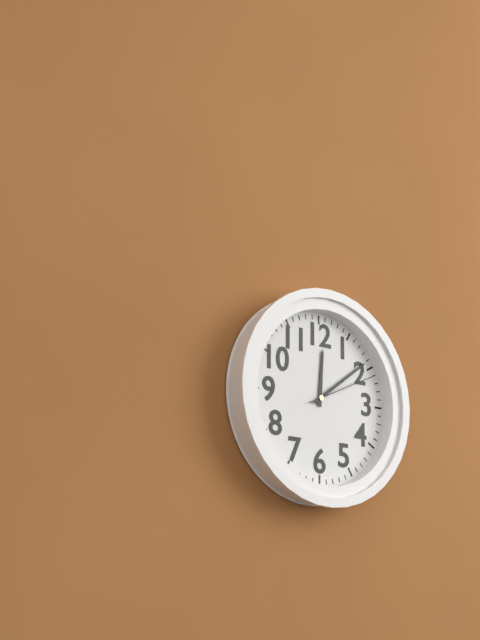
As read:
12,09,11
